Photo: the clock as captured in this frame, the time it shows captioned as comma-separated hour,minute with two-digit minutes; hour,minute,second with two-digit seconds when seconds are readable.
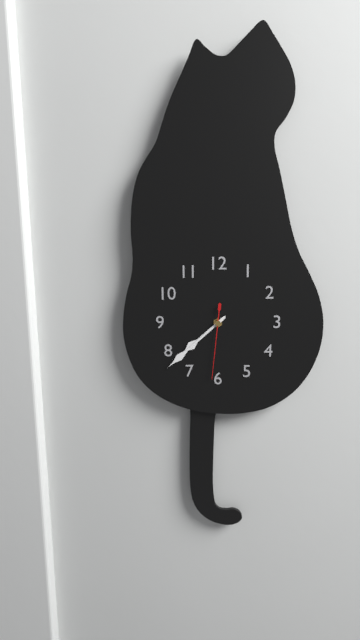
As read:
7,38,31
